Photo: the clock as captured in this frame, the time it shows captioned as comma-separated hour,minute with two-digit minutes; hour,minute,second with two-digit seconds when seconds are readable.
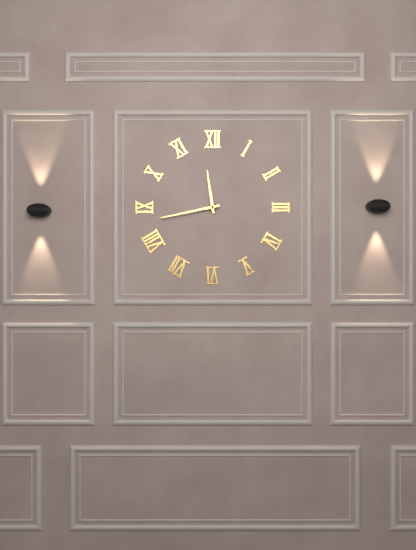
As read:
11,43
